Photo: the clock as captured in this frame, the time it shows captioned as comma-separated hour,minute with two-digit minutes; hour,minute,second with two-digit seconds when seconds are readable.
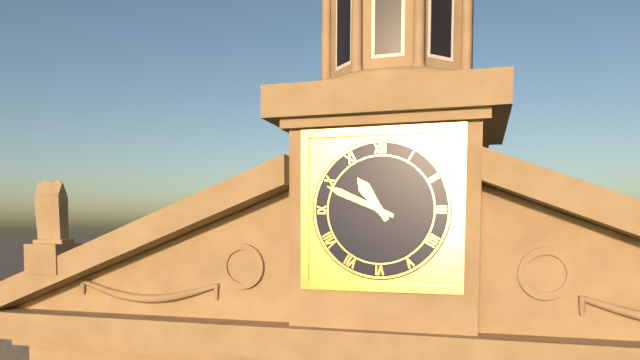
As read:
10,49
